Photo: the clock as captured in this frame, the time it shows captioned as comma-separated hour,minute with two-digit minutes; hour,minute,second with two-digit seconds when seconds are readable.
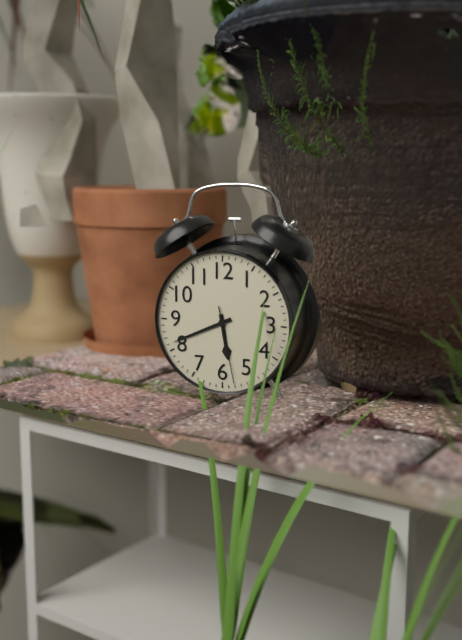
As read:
5,41,28
